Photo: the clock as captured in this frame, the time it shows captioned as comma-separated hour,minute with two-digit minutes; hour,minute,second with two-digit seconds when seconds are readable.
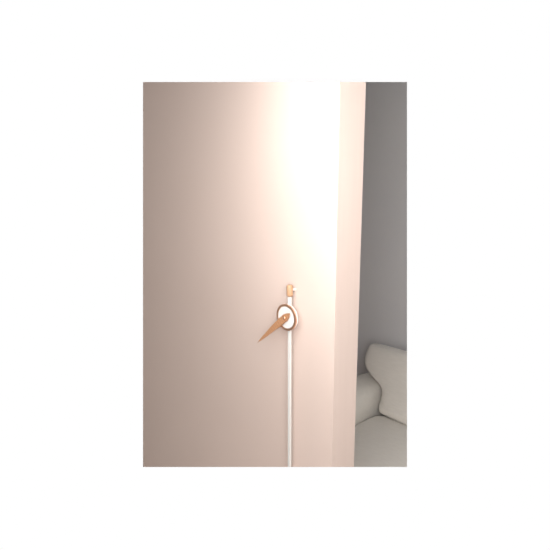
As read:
7,38
